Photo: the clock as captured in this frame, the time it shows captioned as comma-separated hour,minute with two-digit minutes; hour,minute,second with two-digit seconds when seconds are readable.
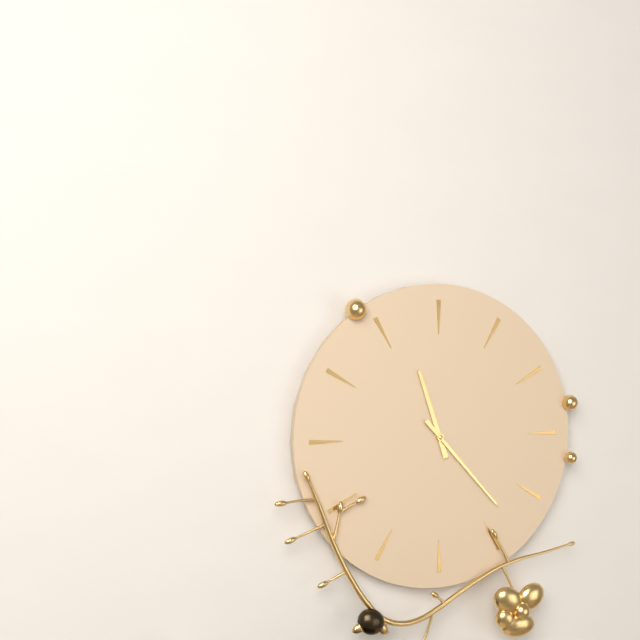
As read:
11,23
